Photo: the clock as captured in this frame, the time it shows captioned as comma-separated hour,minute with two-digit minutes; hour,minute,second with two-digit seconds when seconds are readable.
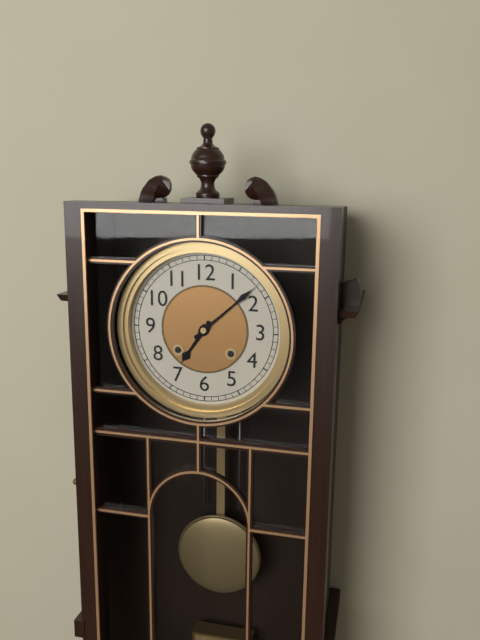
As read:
7,08
